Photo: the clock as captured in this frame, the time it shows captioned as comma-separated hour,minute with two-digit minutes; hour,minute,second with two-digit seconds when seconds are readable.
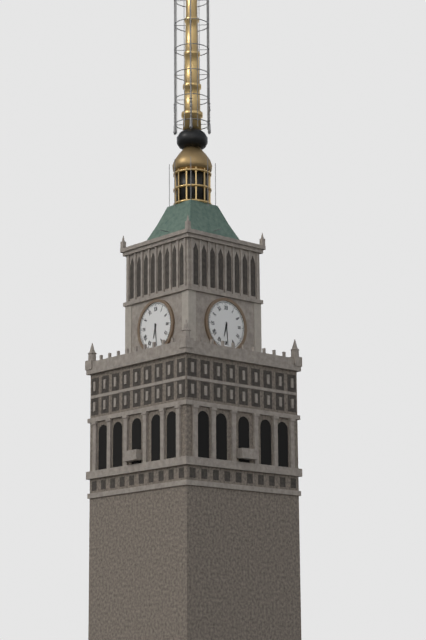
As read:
6,29
